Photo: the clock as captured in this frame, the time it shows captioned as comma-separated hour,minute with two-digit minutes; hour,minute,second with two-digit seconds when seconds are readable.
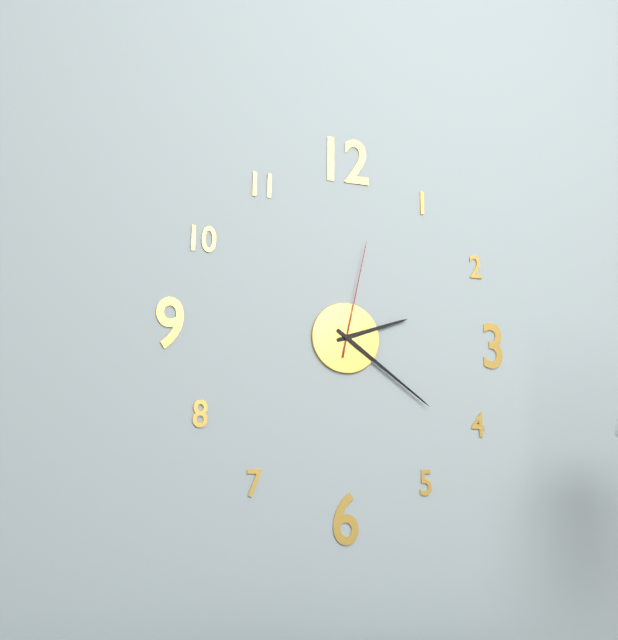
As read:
2,21,02
